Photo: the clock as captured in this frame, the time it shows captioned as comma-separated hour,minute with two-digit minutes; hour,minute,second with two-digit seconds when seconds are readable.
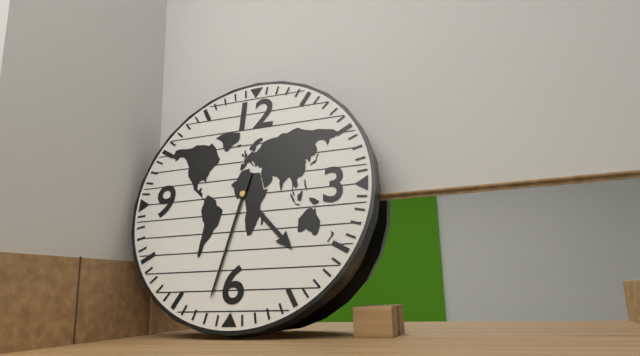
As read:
4,32
